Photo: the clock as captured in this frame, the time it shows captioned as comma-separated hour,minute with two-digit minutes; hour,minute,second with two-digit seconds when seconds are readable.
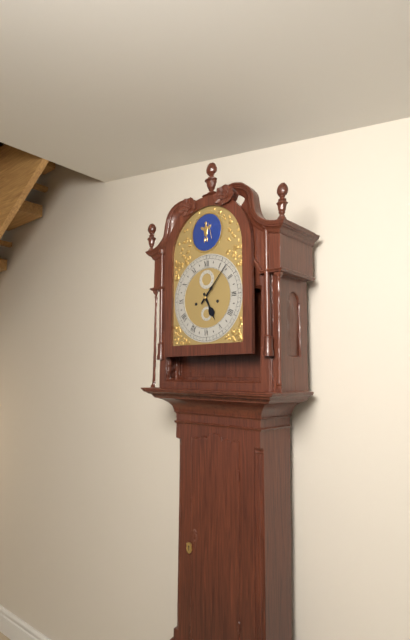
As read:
5,07
